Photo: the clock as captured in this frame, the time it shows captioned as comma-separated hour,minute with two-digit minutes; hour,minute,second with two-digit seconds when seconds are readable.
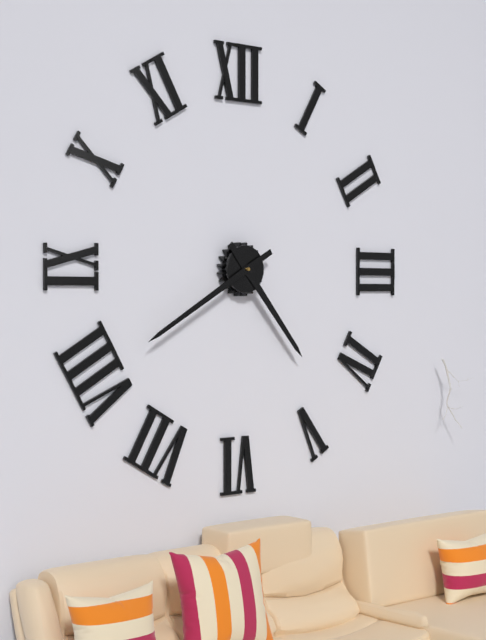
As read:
4,40
